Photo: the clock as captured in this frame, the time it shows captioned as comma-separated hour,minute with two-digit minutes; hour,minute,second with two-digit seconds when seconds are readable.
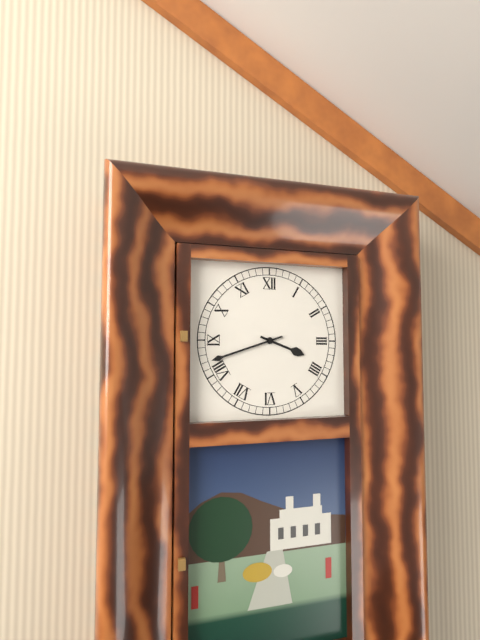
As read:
3,42
